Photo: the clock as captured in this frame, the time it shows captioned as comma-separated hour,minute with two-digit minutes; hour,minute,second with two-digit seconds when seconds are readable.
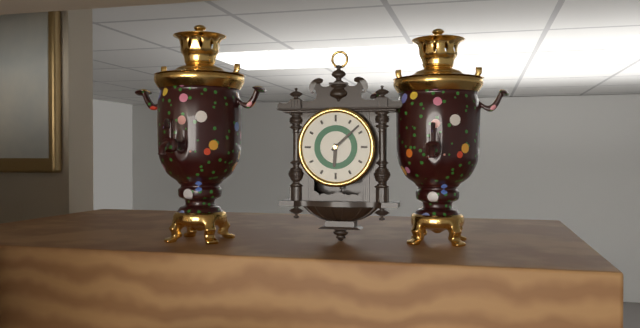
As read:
6,08
